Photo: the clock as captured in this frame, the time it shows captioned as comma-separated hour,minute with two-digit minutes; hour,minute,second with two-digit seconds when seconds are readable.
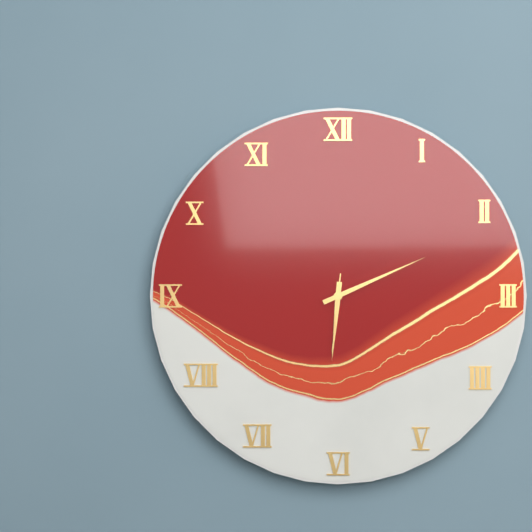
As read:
6,11,31
